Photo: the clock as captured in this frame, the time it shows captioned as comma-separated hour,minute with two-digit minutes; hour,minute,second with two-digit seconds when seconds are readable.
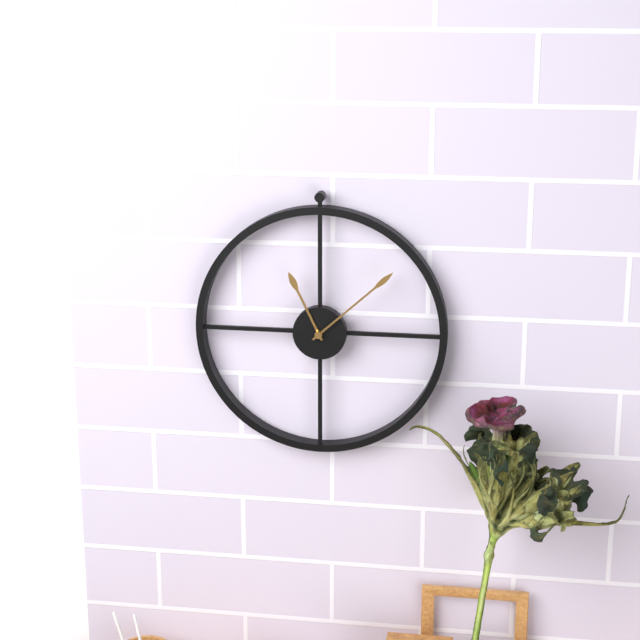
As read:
11,08
